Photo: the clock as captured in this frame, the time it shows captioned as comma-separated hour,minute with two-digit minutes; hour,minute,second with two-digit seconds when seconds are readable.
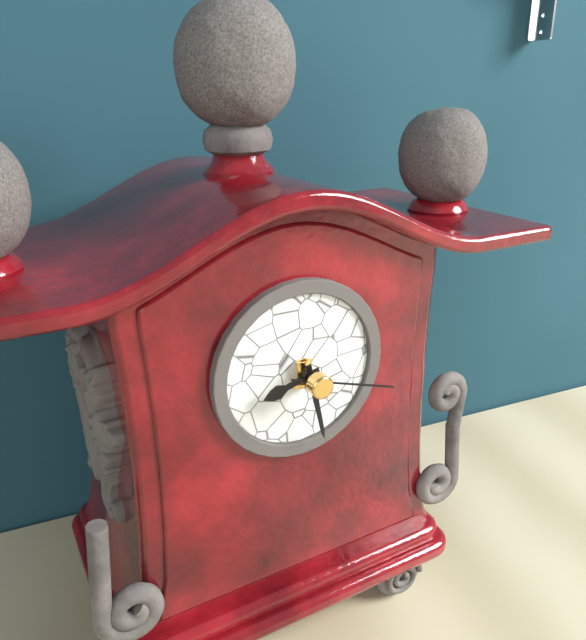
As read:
8,28,18
